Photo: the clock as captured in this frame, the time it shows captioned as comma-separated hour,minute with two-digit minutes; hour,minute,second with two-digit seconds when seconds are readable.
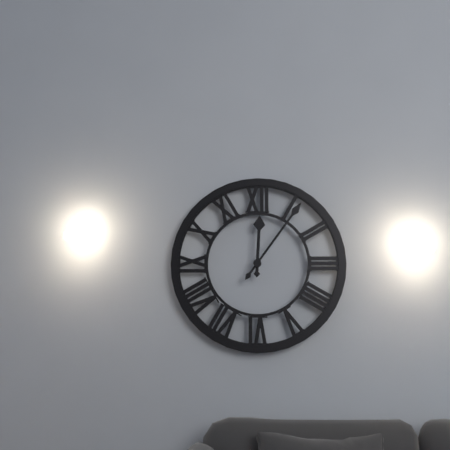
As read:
12,06
